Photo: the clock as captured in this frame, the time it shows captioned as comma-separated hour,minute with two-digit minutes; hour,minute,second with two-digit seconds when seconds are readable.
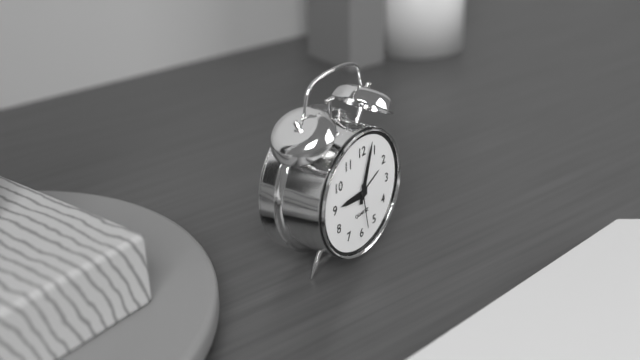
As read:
9,03
